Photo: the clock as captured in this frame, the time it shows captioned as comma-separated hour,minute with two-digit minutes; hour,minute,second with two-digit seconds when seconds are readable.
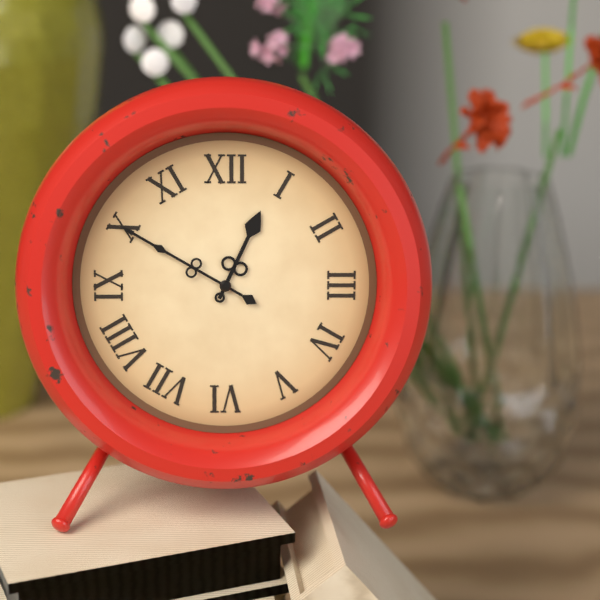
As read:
12,50
